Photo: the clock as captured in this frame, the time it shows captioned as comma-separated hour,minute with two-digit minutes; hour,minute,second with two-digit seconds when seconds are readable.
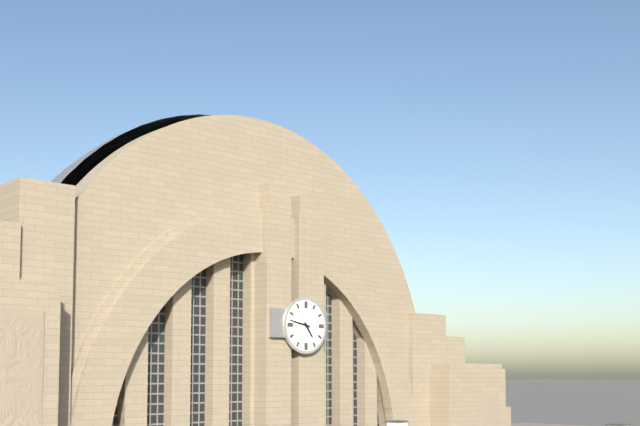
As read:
4,47
